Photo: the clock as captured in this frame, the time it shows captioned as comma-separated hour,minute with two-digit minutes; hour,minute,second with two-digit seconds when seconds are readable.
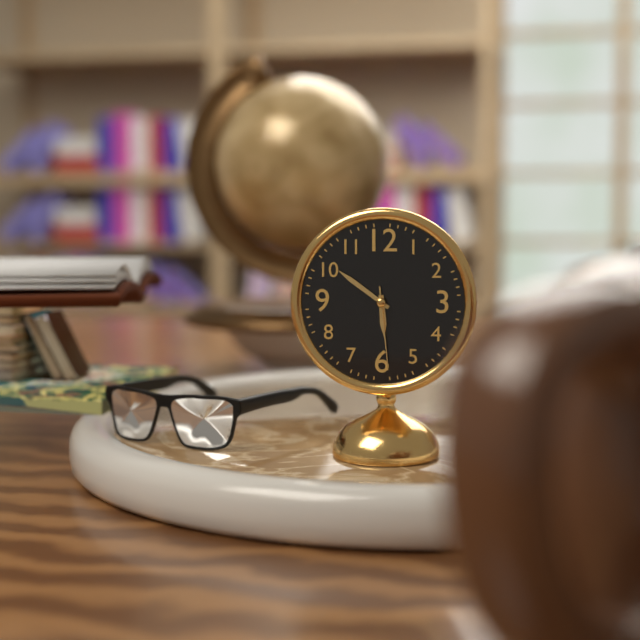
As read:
5,51,29
